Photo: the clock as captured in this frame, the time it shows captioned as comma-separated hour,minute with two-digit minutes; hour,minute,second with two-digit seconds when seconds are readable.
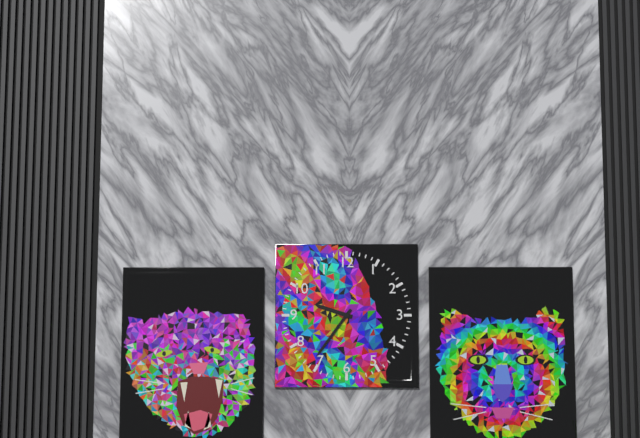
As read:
9,36
